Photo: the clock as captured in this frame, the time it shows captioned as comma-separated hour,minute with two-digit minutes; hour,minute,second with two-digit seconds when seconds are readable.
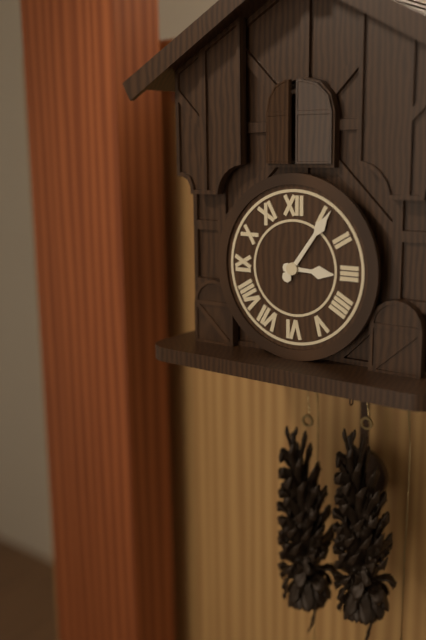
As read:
3,06
